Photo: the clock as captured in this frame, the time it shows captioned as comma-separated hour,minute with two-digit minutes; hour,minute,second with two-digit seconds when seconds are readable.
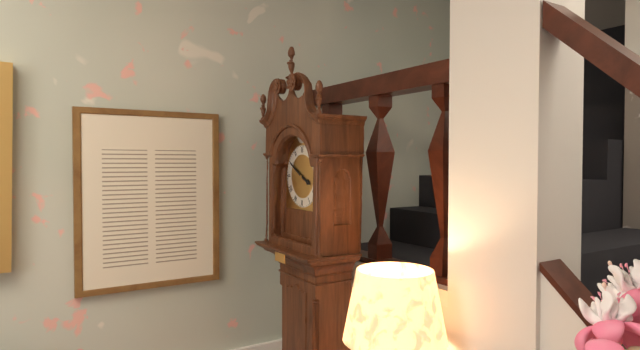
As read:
3,50
